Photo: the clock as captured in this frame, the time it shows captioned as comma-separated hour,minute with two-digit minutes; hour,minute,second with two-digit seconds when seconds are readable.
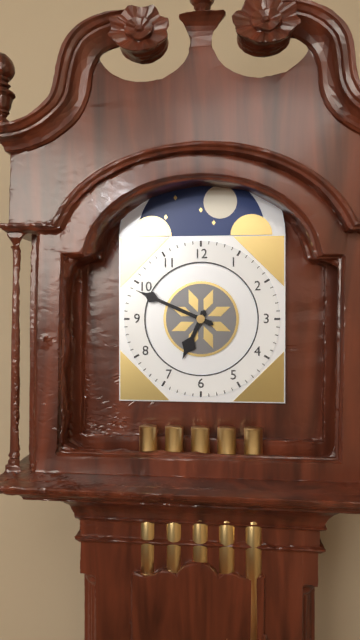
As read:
6,49
